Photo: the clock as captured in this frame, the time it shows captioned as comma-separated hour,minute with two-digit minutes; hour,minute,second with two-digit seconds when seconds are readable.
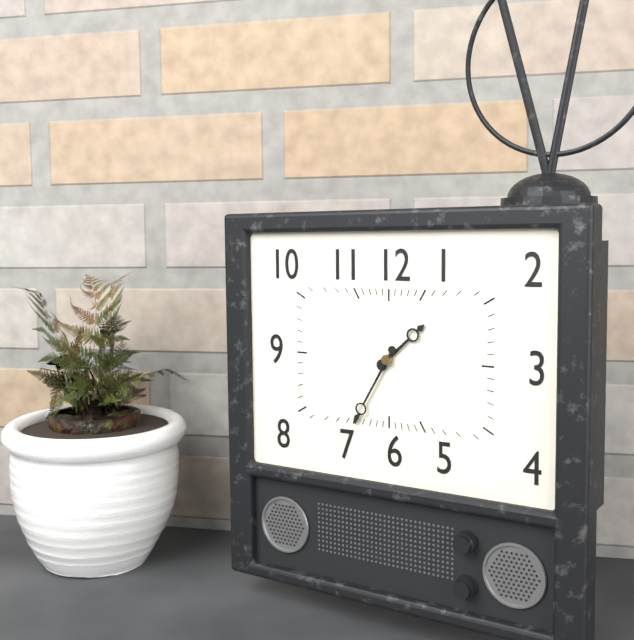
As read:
1,35
